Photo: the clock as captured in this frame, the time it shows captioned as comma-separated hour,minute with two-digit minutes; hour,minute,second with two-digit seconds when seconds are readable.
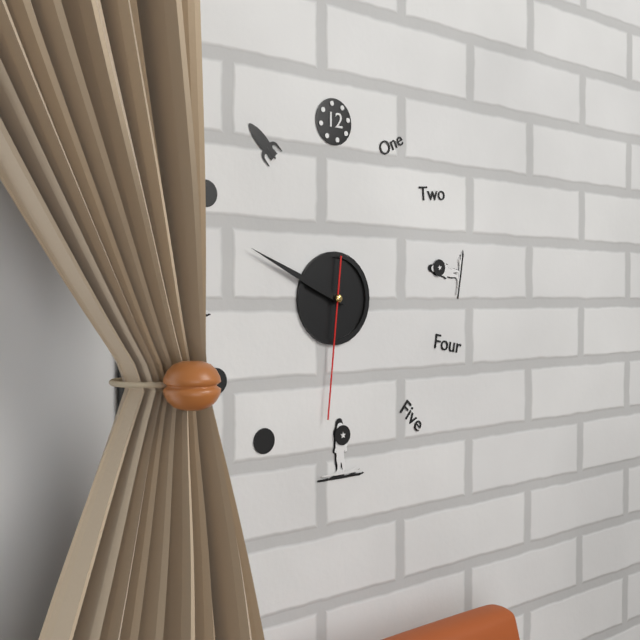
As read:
9,49,31
